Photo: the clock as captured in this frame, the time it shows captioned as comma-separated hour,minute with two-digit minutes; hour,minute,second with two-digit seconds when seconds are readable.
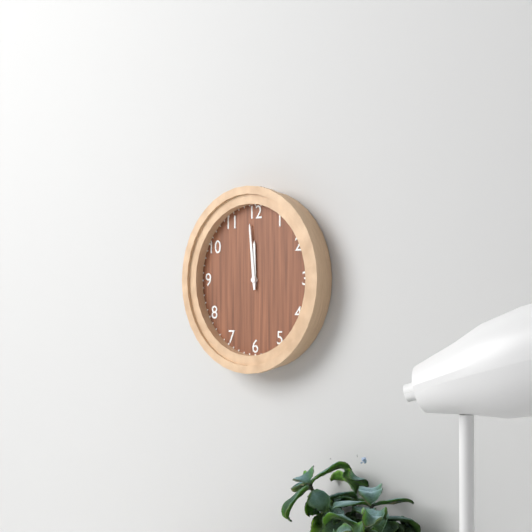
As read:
11,59
